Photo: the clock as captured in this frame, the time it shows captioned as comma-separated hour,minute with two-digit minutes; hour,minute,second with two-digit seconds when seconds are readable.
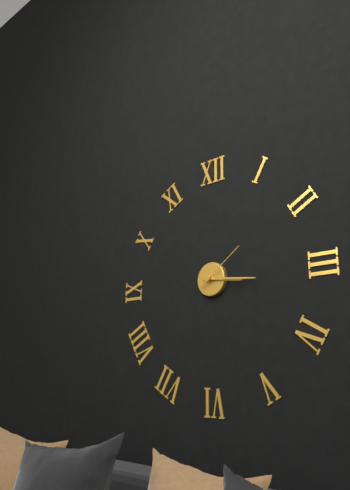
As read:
3,16,09
